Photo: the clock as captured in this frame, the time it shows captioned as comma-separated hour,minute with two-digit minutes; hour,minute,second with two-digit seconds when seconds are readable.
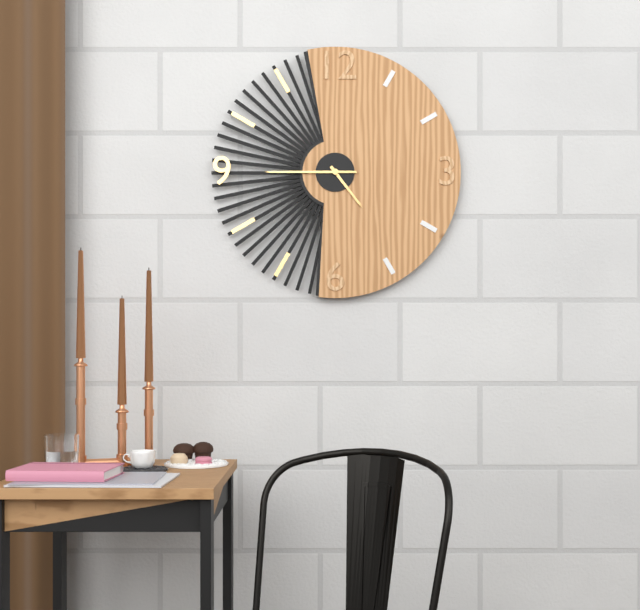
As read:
4,45
